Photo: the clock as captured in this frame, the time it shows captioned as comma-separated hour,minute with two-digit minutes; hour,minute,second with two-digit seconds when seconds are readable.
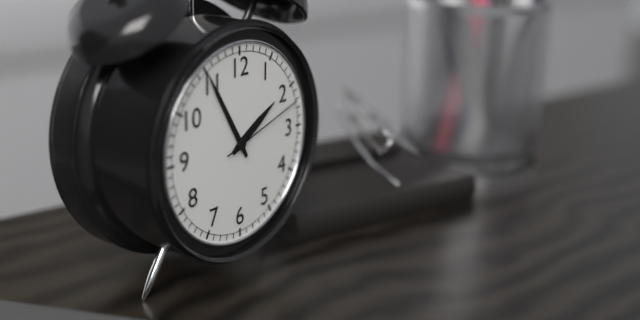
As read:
1,55,12
